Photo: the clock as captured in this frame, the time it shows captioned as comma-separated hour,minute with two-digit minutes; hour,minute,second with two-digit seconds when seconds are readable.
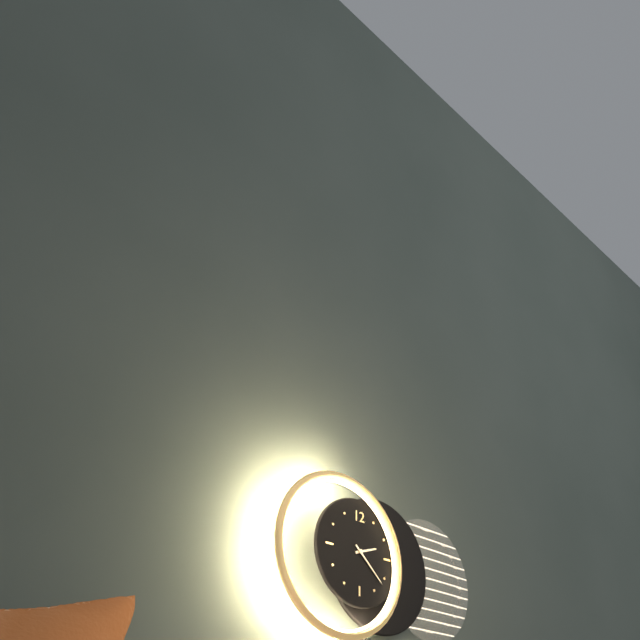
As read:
2,22
